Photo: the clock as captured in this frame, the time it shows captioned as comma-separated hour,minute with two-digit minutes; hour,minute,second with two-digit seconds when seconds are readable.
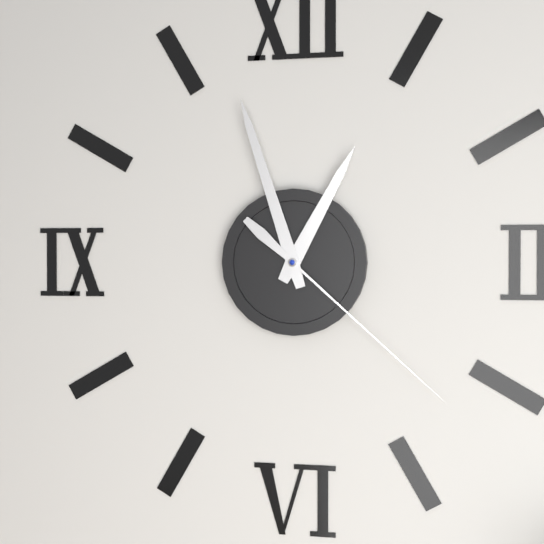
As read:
12,57,22
